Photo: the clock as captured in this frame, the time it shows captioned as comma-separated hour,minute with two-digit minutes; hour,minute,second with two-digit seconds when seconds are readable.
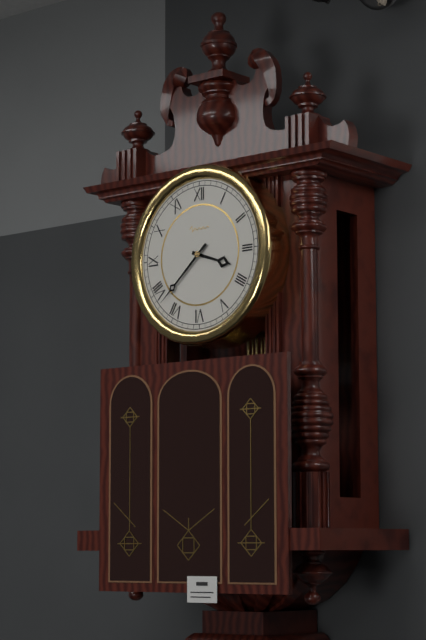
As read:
3,38
